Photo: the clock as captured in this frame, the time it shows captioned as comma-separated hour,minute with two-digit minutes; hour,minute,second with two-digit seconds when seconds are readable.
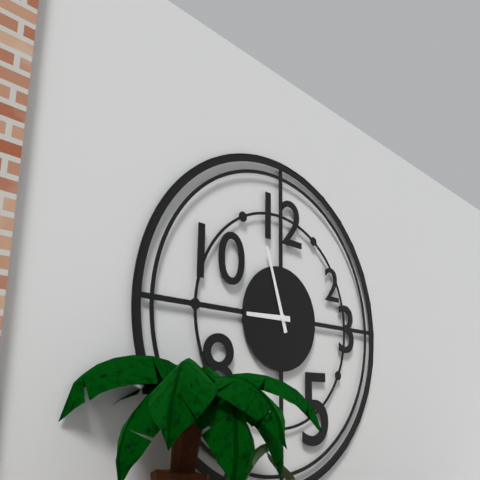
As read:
8,57
